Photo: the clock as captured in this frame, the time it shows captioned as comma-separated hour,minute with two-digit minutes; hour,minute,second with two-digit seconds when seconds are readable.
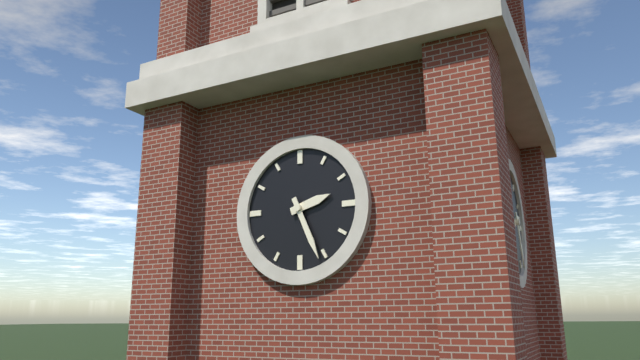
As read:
2,26
